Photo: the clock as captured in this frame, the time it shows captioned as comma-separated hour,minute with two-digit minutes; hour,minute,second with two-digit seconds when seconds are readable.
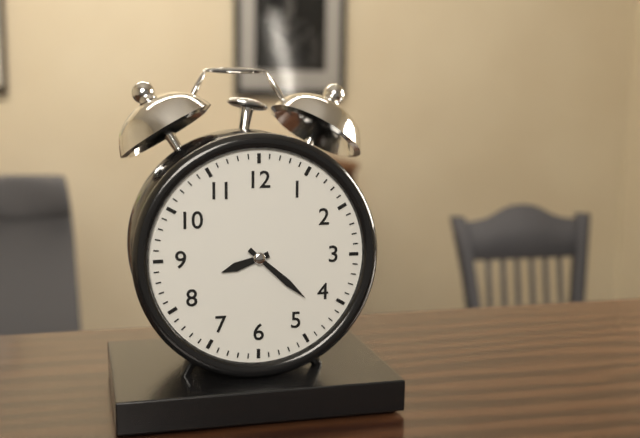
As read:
8,22
